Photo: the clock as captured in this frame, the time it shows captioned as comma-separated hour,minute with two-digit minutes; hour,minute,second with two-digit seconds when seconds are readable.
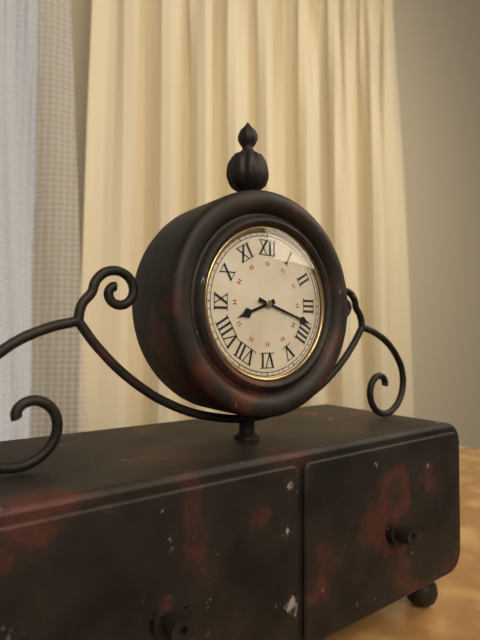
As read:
8,18
